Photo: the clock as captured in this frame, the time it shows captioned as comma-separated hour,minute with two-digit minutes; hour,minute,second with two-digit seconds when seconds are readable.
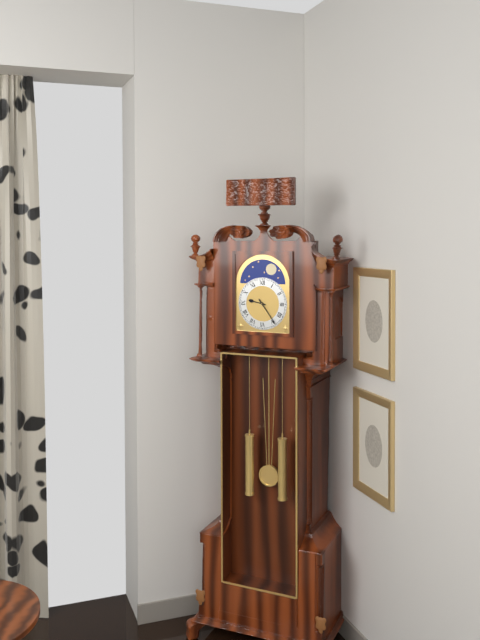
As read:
9,24
